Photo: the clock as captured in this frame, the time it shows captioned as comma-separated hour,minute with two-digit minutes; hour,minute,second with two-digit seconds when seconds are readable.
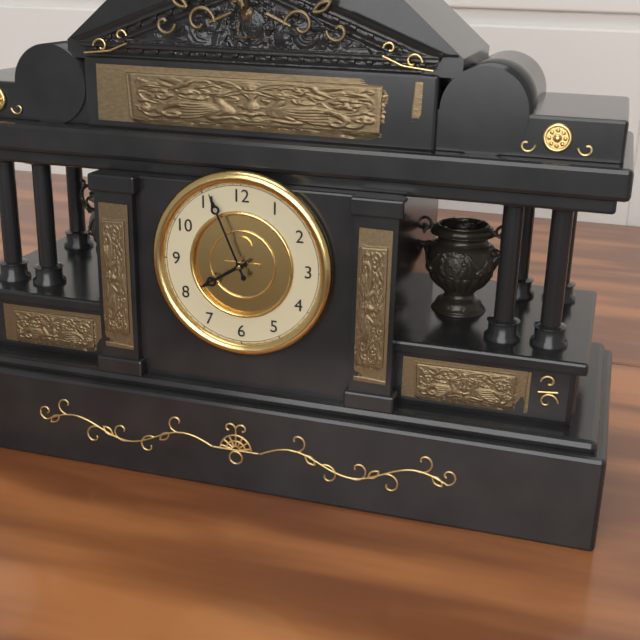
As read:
7,56
